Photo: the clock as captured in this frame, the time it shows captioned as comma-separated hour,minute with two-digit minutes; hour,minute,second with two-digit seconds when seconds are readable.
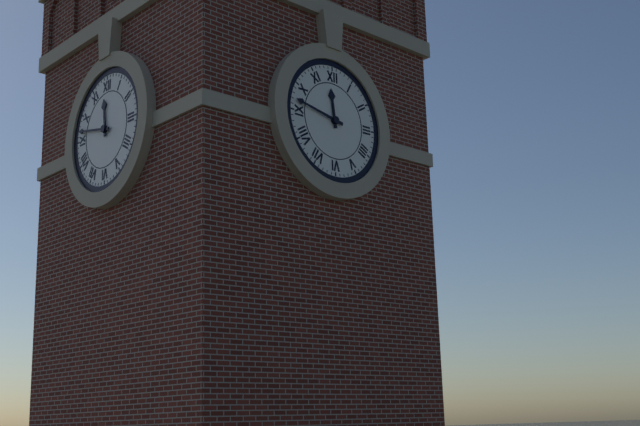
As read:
11,47
